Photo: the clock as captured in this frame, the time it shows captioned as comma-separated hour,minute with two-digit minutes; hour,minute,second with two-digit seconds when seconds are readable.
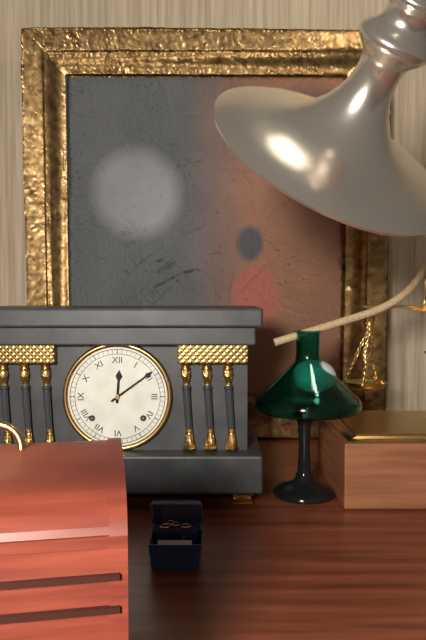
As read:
12,09
